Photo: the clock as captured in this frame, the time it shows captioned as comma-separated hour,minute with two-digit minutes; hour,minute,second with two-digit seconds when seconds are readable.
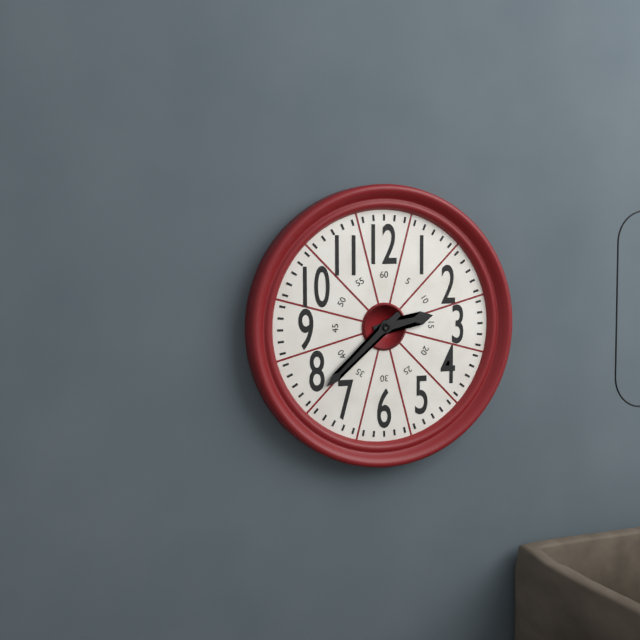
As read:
2,38
